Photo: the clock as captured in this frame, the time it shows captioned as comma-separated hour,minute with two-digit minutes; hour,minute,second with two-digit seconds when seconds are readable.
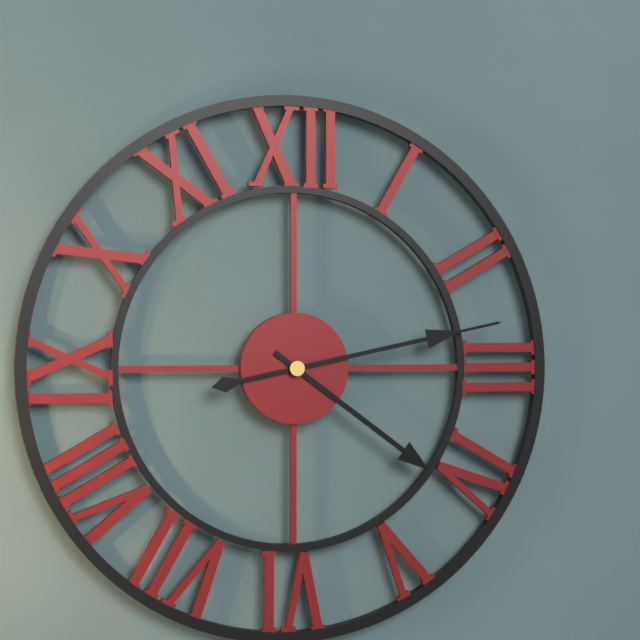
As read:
4,13
